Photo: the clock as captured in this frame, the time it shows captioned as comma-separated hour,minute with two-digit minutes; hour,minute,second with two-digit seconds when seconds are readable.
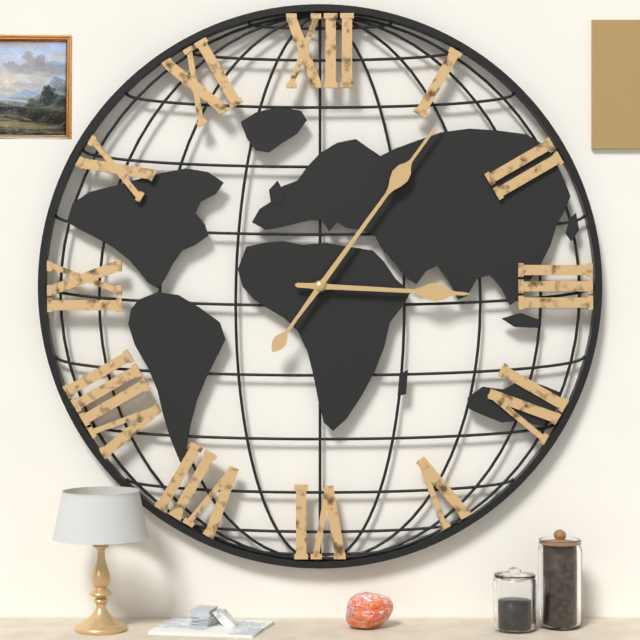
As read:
3,06
